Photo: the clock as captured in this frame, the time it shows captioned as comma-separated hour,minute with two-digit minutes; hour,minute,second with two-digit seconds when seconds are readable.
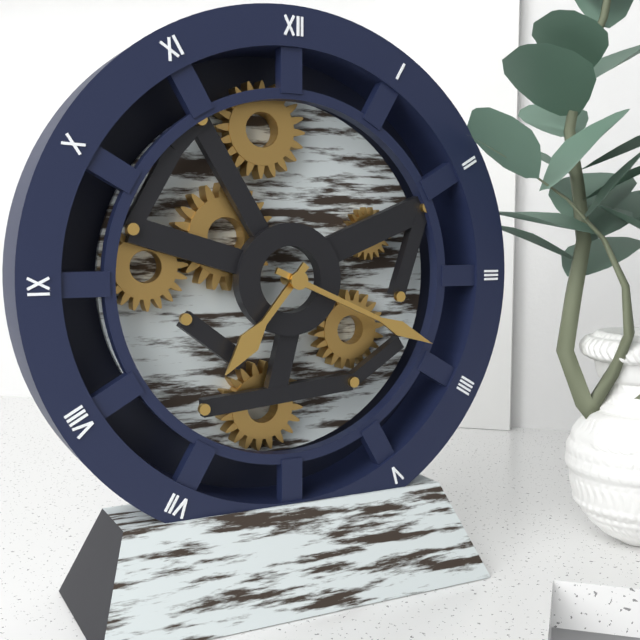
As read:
7,19
